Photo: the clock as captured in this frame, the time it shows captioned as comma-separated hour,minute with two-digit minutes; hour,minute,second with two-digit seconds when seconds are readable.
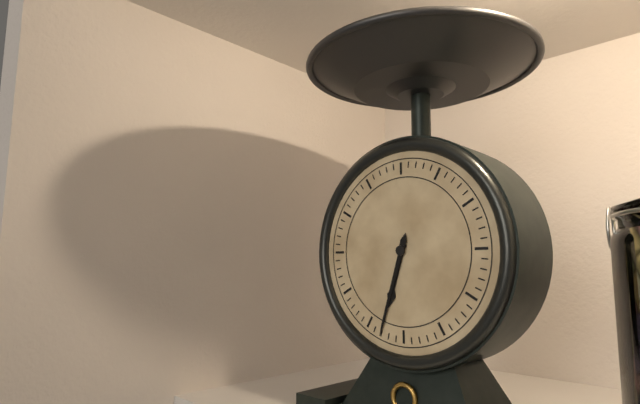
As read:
6,33
